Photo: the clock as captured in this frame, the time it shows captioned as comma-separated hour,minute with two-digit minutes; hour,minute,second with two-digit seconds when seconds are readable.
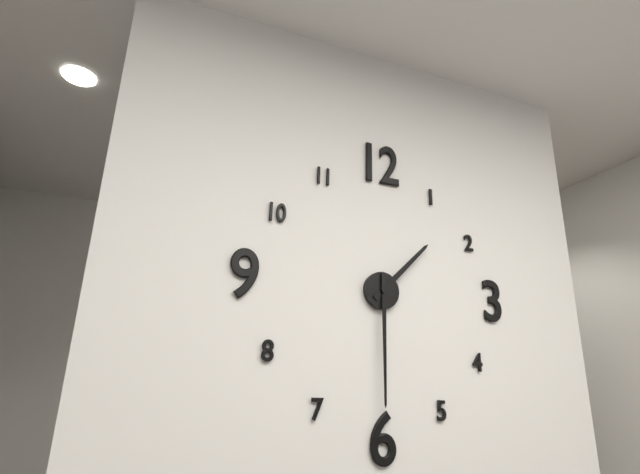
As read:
1,30
